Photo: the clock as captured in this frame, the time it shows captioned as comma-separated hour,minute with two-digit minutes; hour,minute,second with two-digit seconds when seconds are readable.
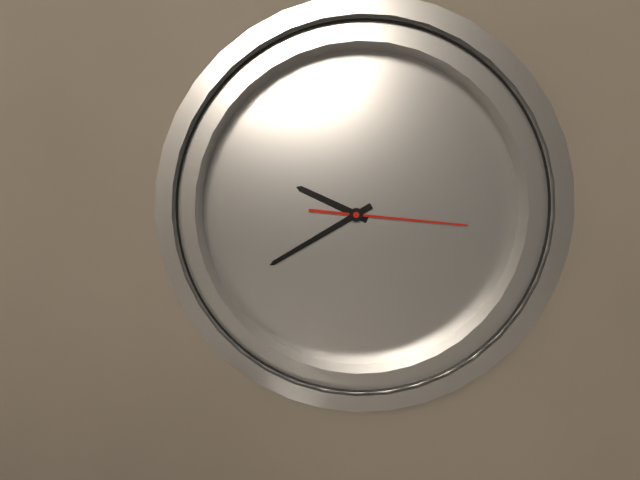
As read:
9,39,15
